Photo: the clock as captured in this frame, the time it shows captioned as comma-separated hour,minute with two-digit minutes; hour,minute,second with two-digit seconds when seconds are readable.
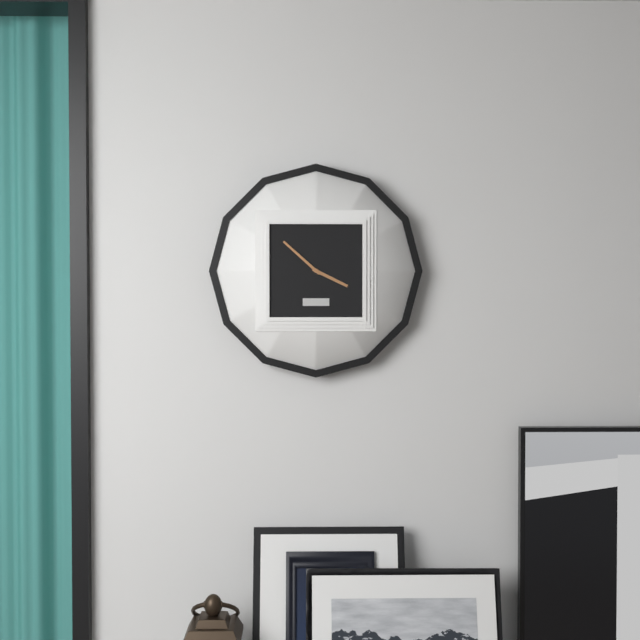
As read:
3,52
